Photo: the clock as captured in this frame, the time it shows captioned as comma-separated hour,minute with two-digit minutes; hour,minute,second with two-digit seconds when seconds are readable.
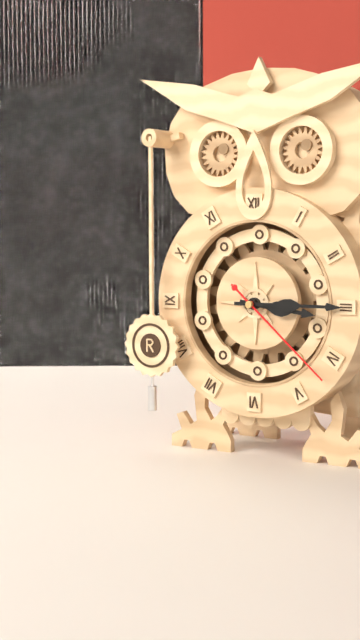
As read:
3,15,22
